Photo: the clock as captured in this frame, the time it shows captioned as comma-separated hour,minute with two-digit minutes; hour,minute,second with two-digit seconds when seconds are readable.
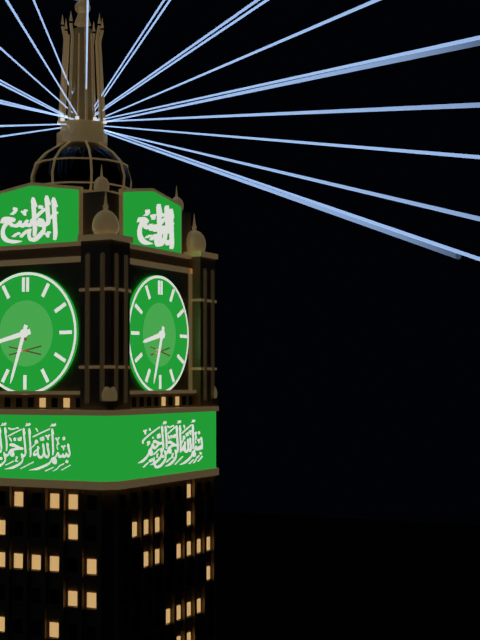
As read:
8,33
